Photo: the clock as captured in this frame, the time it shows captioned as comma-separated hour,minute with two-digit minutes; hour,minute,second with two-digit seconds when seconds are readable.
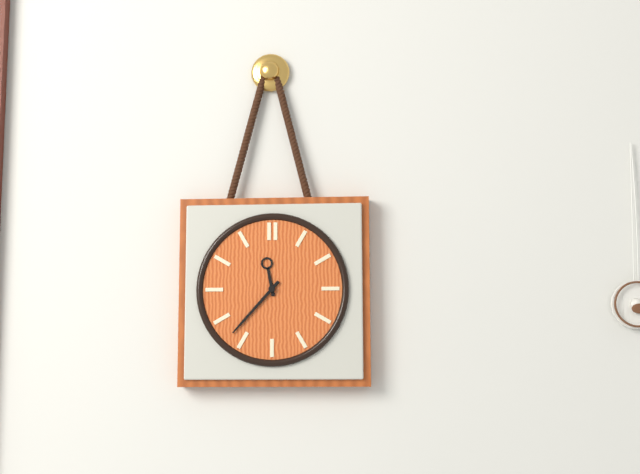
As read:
11,37
